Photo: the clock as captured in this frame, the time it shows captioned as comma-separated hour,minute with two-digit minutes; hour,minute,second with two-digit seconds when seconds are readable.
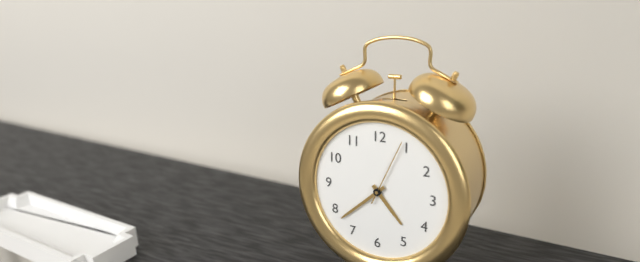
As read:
4,38,04
